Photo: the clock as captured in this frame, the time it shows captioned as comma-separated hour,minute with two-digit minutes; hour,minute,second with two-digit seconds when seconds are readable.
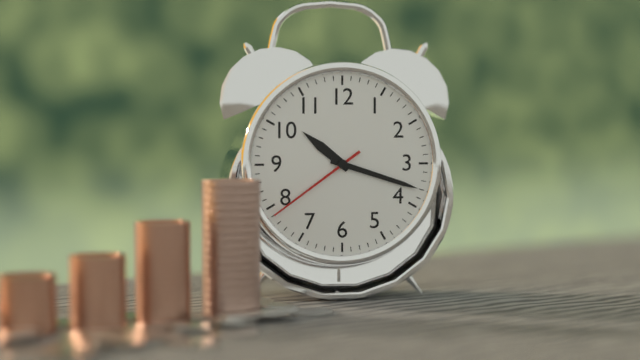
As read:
10,18,39
